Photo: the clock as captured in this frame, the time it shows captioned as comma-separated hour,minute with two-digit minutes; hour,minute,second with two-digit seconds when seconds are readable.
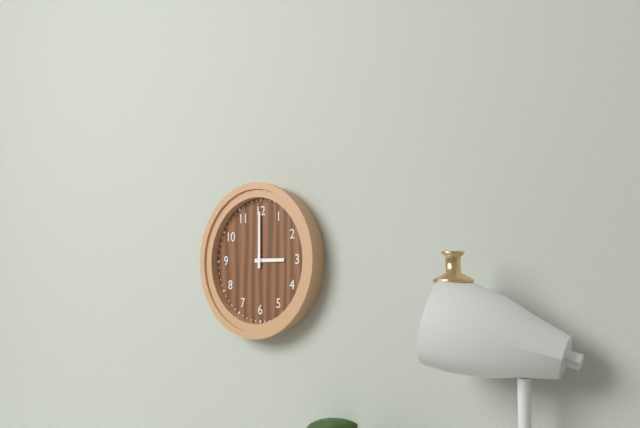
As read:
3,00
